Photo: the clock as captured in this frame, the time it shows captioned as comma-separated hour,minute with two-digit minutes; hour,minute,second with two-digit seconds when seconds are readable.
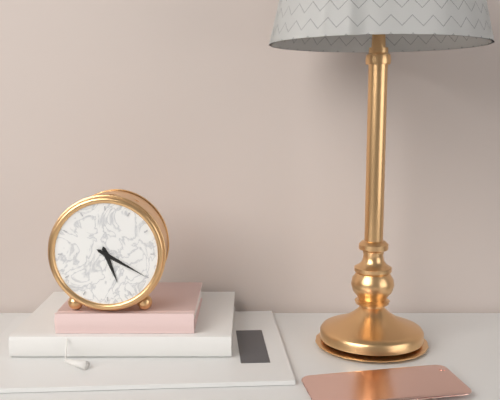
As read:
5,20
